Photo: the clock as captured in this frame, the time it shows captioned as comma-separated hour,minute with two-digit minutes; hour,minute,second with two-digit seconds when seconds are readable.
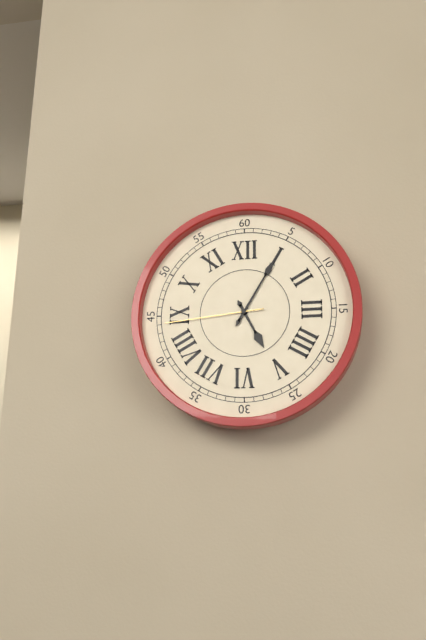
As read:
5,05,44
